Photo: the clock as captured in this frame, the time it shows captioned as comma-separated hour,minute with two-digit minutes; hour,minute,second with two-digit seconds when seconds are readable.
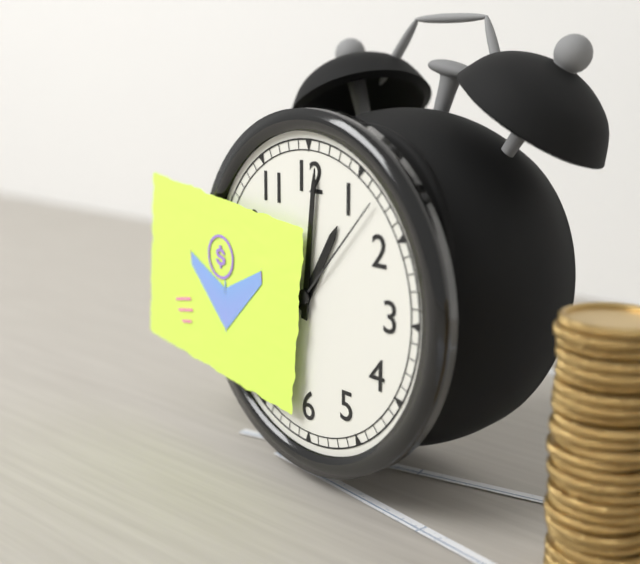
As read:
1,01,07
